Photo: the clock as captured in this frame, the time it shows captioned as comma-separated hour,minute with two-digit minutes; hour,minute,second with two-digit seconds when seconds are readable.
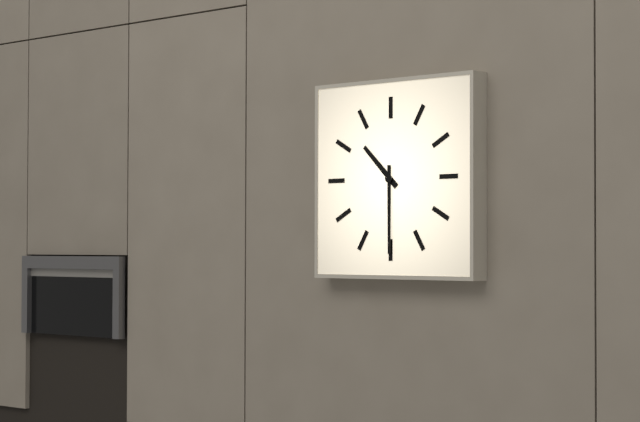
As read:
10,30
